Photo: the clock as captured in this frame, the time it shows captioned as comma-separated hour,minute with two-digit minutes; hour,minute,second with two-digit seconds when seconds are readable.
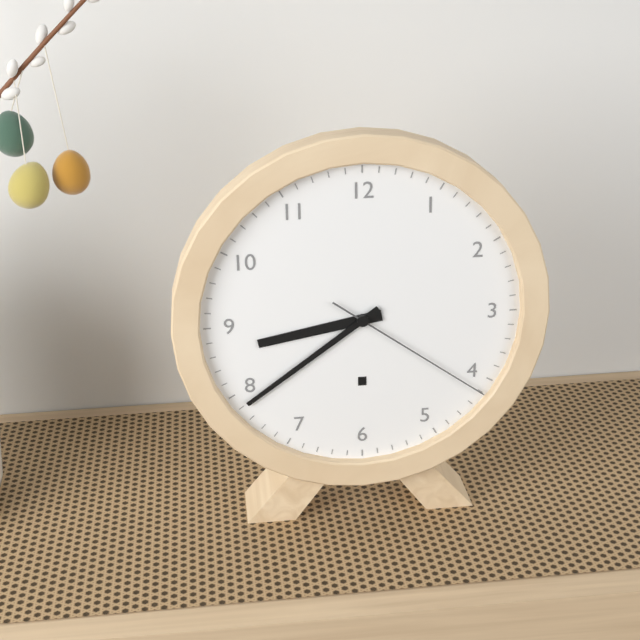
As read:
8,39,21
